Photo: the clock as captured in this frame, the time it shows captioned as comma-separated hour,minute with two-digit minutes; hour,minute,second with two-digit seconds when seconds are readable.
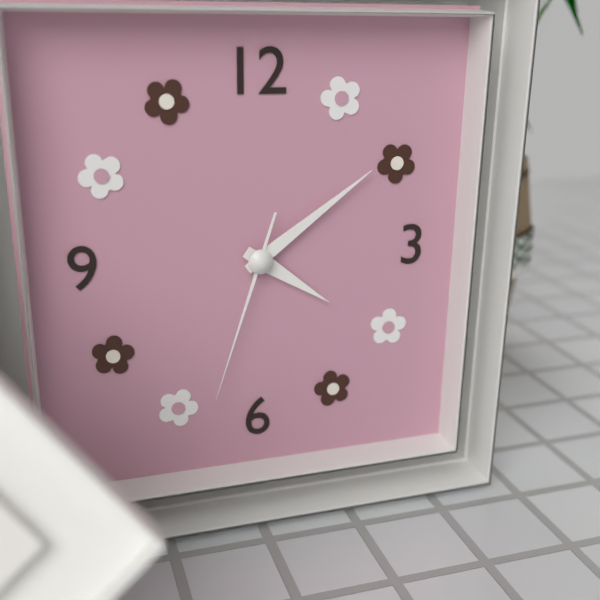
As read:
4,09,33
